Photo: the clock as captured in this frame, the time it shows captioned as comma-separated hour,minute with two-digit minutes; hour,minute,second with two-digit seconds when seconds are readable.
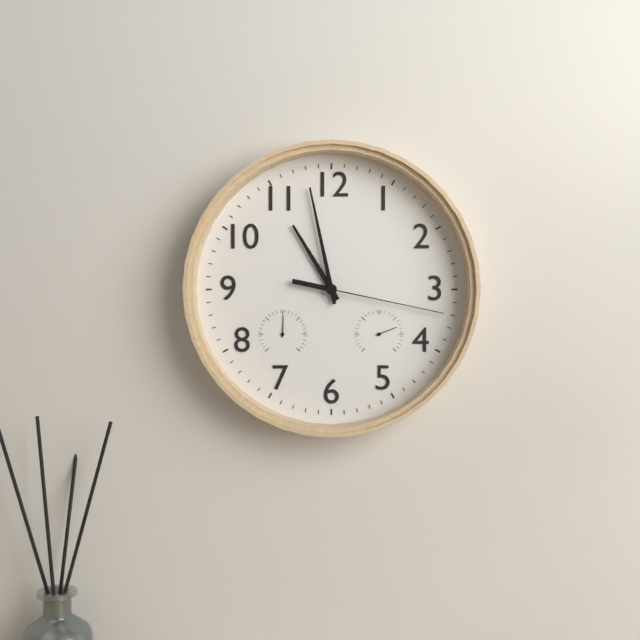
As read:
10,58,17
